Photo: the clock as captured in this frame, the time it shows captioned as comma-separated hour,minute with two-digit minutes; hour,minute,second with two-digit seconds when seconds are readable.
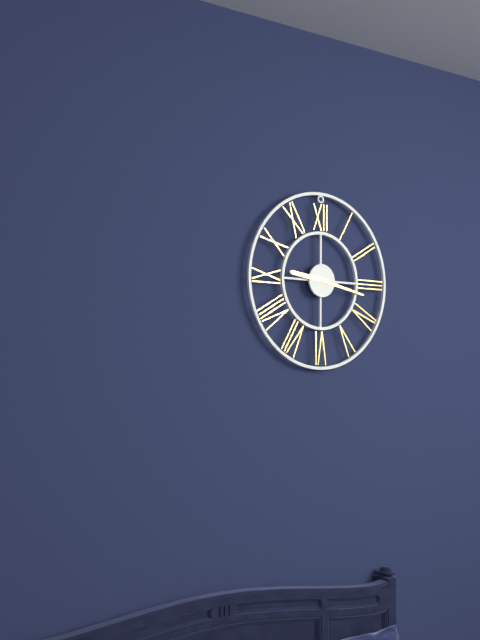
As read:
9,17
